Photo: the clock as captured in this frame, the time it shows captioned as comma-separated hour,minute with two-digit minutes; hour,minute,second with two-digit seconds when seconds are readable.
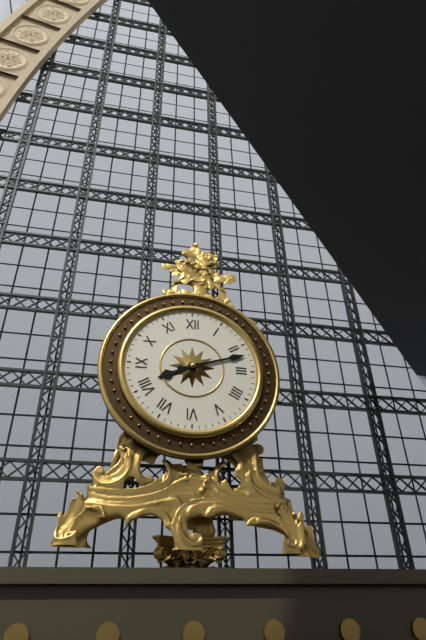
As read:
8,12
